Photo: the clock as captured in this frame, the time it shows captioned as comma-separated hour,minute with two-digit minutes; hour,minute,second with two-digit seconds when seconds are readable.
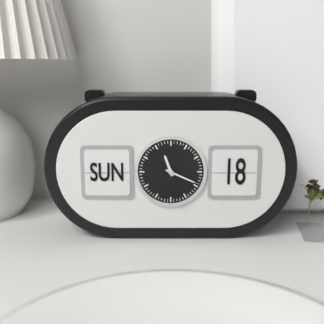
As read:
11,19
